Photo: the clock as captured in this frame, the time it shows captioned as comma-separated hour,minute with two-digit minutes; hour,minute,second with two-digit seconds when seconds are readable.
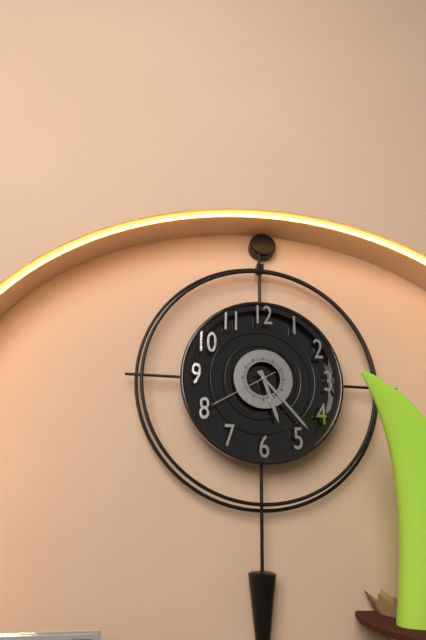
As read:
5,23,40
